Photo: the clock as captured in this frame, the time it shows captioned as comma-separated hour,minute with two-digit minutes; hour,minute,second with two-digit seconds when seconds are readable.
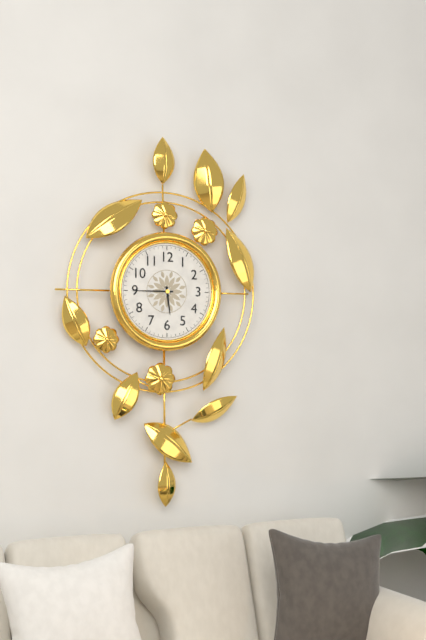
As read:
5,45
